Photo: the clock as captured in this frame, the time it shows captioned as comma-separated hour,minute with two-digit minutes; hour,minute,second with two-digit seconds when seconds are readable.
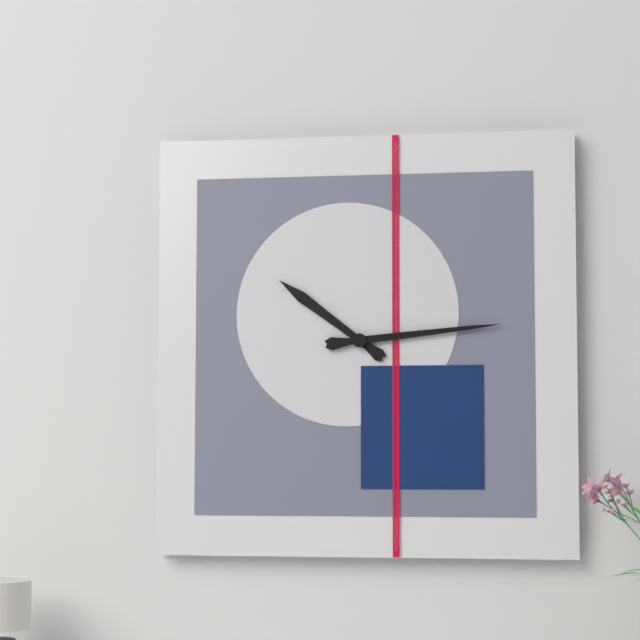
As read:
10,14
